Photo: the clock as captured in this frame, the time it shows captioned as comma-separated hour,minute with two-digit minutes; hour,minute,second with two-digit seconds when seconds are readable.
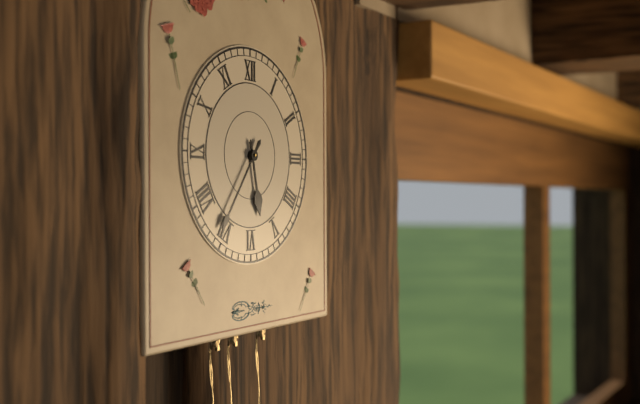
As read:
5,36
